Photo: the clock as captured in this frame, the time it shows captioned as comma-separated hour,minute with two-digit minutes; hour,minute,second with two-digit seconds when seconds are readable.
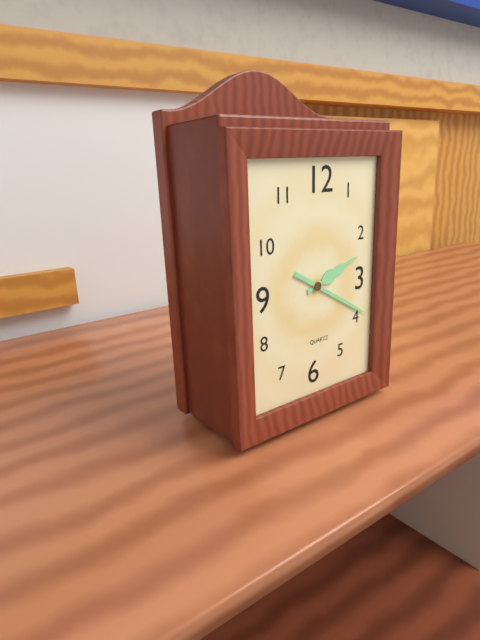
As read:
2,20
